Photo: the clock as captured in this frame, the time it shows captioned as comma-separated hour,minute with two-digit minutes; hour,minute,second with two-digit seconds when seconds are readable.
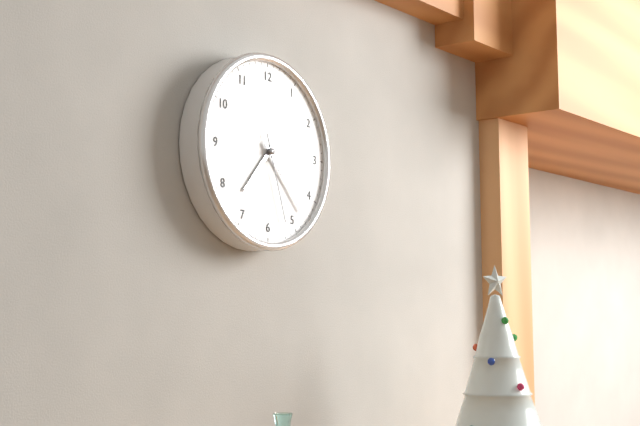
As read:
7,23,27
